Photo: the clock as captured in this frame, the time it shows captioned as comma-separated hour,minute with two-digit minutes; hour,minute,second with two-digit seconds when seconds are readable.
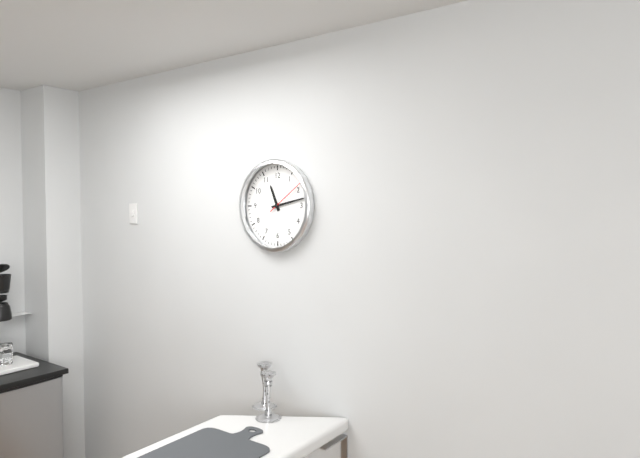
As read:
11,13
